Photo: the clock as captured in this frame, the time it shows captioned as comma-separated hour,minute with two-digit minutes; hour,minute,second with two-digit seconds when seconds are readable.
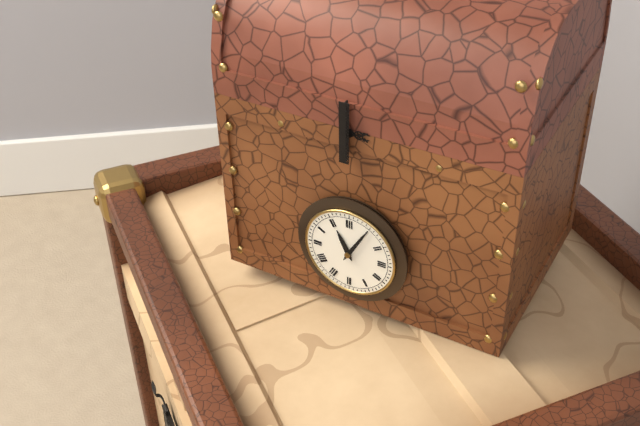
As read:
11,05
